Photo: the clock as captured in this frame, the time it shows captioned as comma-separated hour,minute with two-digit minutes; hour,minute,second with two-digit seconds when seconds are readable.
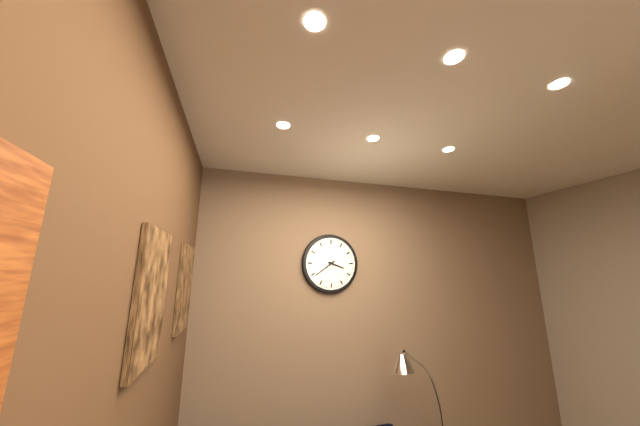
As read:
3,39
